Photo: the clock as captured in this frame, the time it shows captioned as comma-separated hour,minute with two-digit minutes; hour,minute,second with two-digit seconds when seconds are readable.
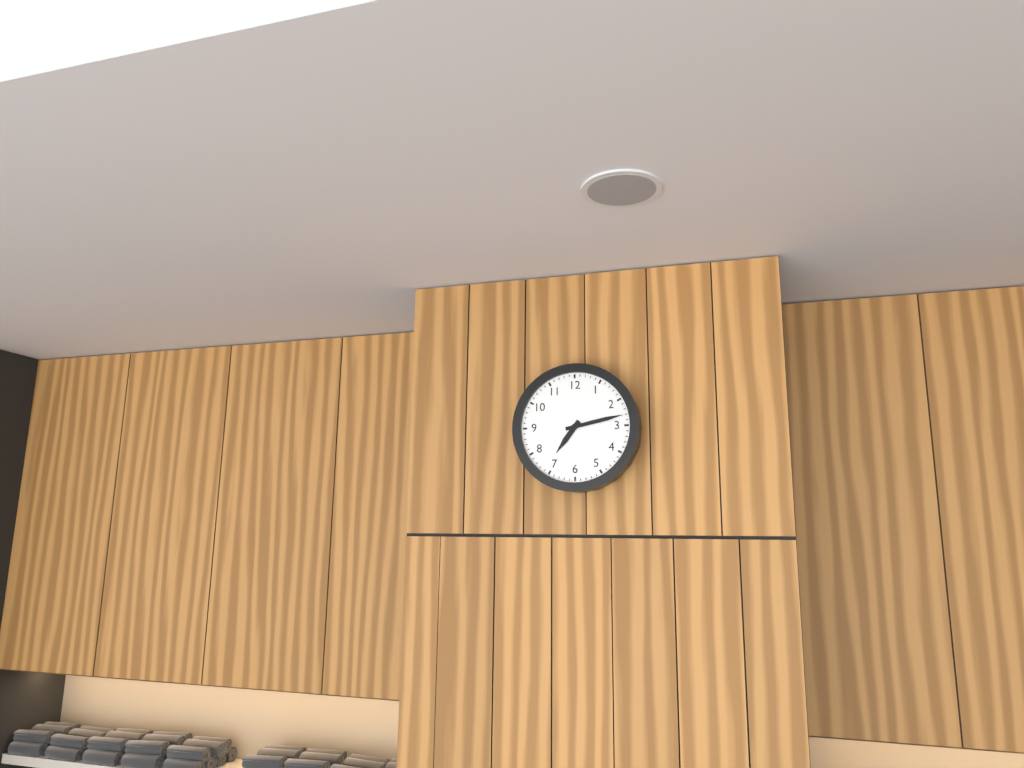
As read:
7,13
